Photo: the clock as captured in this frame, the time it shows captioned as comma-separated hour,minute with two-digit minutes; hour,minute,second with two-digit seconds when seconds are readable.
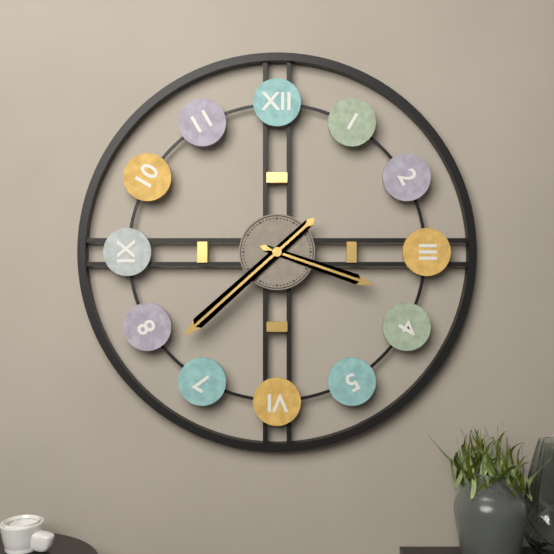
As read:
3,38
